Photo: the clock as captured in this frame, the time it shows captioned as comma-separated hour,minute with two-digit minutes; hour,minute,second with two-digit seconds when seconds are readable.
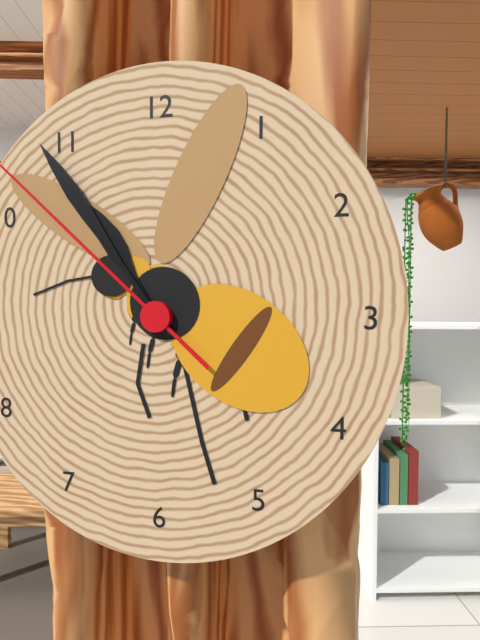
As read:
10,54
